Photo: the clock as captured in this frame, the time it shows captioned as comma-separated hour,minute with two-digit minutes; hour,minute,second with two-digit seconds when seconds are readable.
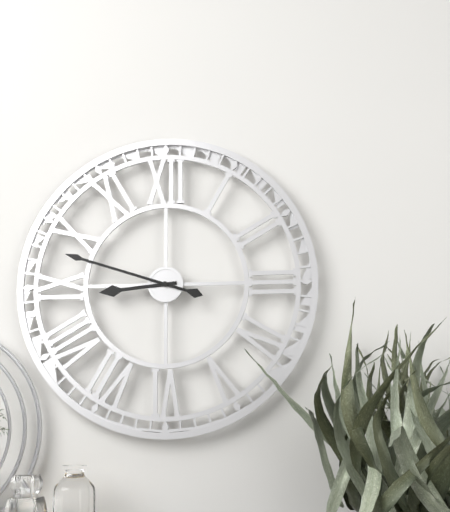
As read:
8,48
